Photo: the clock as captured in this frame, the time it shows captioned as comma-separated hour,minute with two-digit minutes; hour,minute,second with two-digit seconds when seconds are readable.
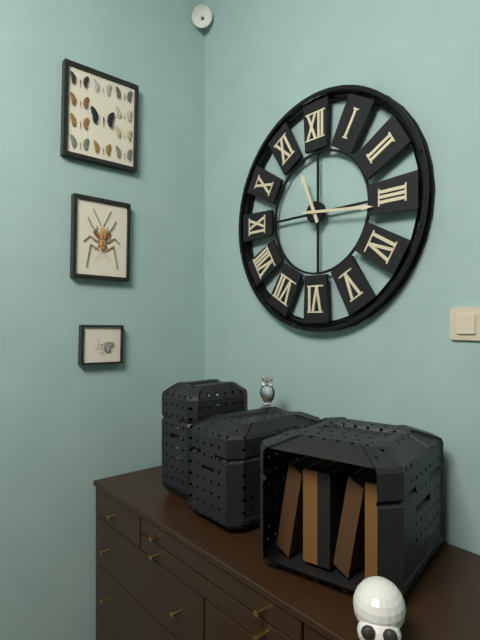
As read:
11,16
